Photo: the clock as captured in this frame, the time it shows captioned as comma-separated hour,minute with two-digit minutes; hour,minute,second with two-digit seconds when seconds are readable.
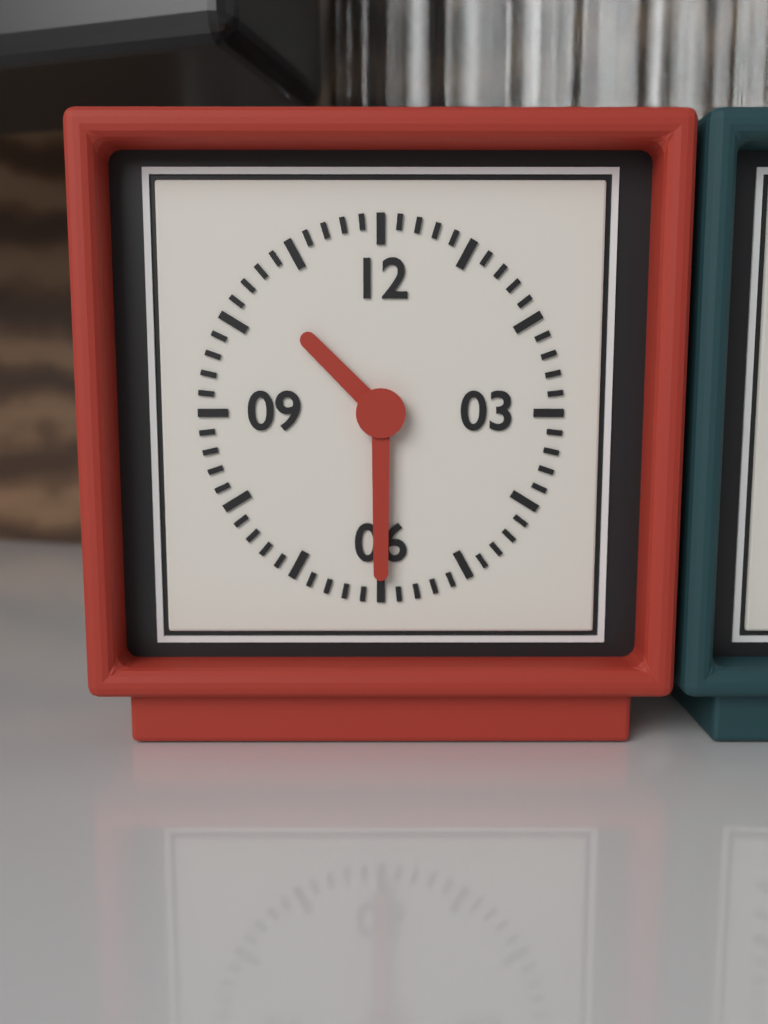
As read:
10,30
